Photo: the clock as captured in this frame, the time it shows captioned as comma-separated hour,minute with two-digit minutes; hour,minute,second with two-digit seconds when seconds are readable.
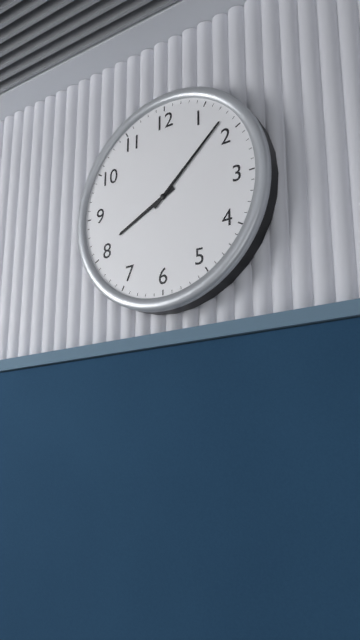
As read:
8,08
